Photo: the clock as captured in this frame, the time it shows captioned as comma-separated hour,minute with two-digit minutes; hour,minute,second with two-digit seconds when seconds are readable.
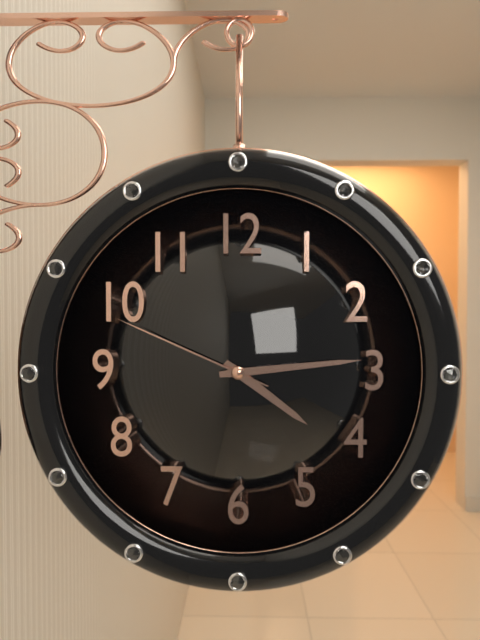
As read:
4,14,49
